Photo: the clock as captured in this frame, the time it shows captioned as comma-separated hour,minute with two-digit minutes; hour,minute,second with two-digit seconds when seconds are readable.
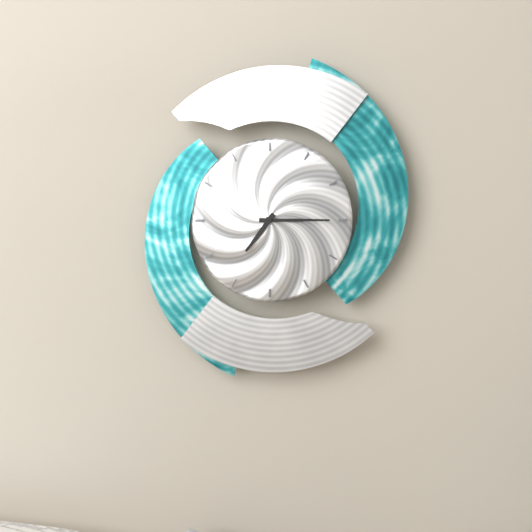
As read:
7,15
